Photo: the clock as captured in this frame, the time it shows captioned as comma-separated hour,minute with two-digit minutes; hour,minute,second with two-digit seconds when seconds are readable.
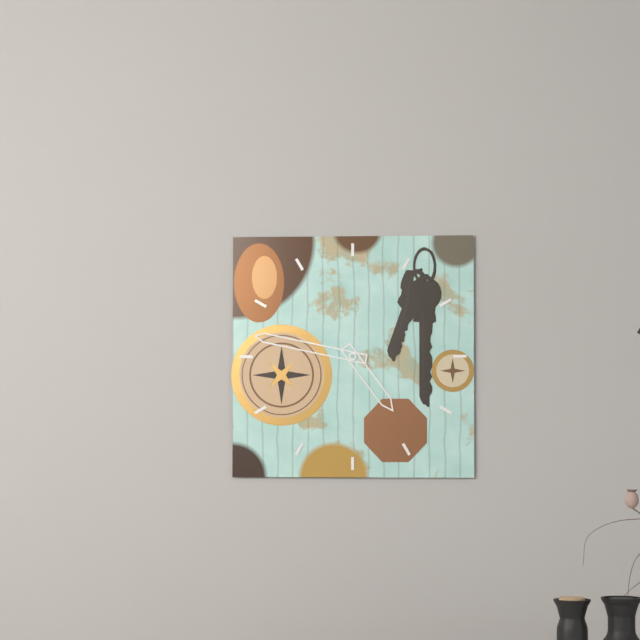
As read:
4,47
